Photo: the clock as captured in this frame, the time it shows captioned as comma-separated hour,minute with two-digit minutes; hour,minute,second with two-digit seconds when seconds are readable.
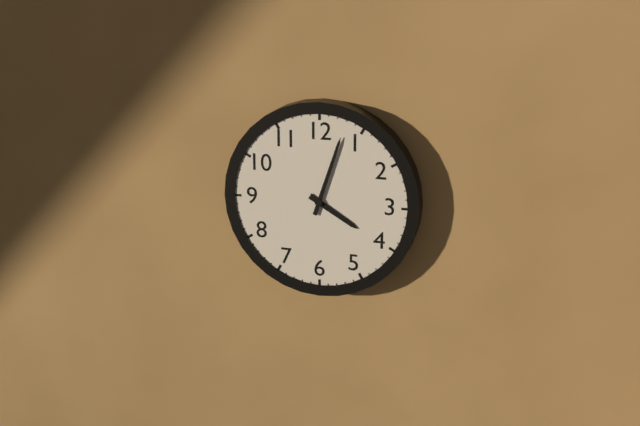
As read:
4,03
